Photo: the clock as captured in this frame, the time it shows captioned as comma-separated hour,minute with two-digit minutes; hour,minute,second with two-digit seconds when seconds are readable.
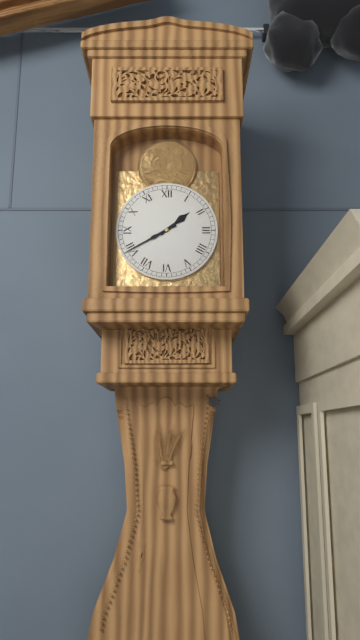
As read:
1,40
